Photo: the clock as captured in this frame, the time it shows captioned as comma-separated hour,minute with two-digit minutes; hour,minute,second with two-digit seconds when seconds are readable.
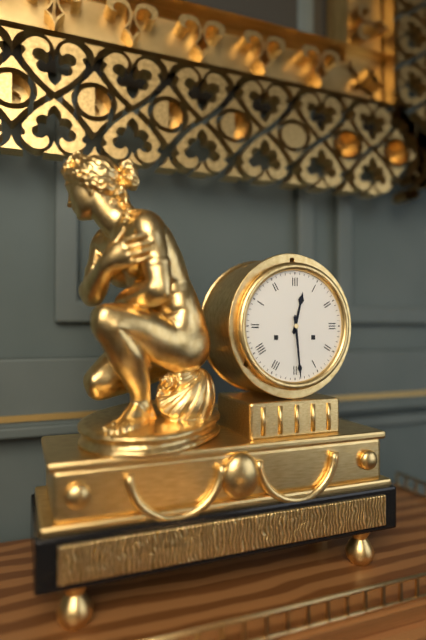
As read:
12,29
